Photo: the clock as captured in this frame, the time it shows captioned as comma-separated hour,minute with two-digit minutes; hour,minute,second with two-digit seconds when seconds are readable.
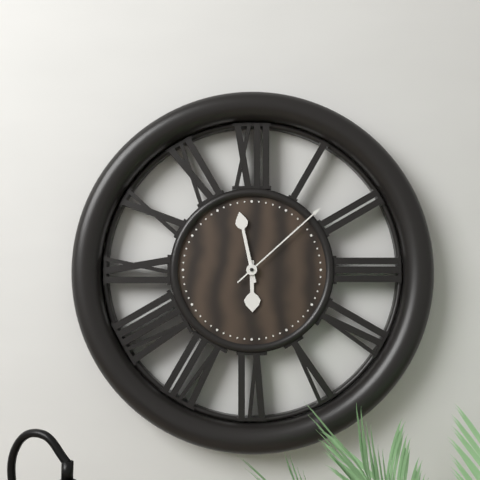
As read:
5,58,08
